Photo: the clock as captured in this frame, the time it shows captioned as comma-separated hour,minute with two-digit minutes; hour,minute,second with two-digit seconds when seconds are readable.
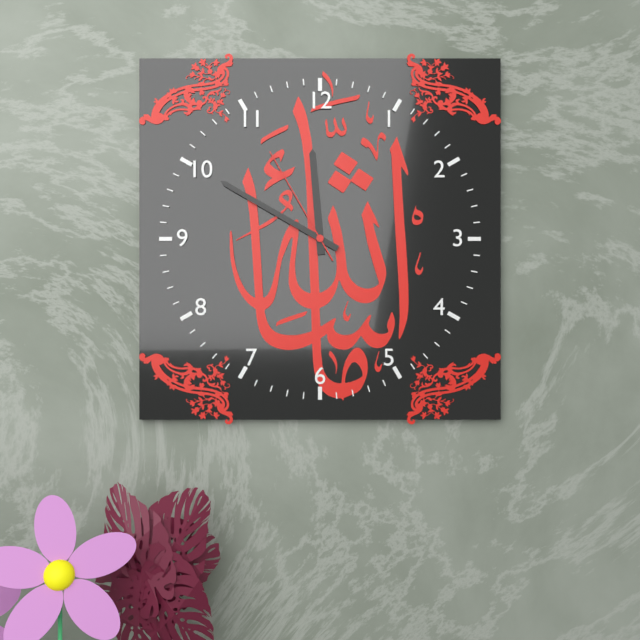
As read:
11,50,55
